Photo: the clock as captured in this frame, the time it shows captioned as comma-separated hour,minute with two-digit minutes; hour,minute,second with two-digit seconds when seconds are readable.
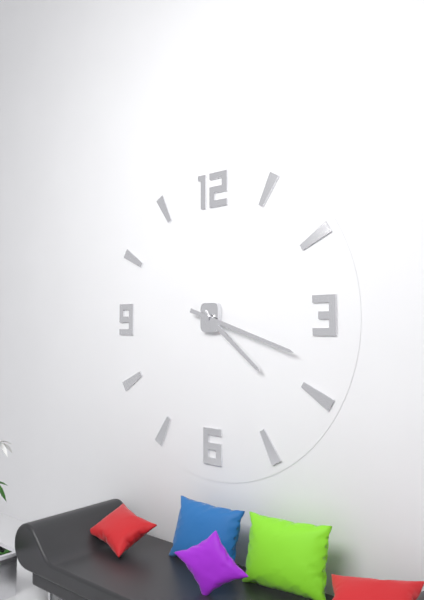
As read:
4,18
